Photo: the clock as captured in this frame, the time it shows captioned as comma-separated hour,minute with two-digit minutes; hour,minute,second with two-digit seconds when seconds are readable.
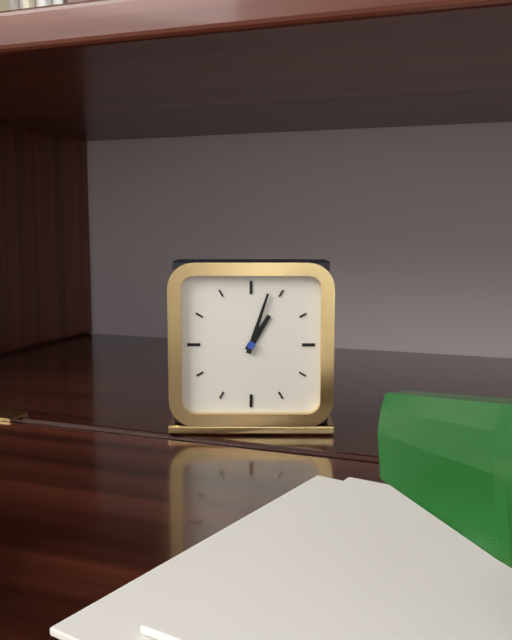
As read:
1,03
